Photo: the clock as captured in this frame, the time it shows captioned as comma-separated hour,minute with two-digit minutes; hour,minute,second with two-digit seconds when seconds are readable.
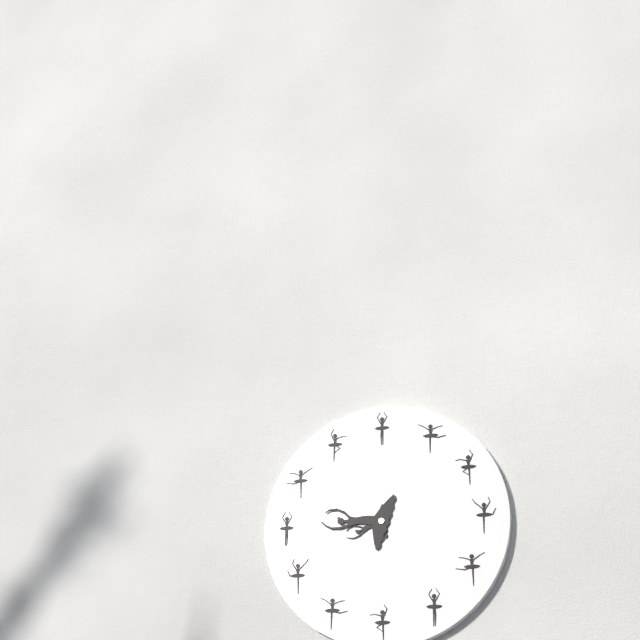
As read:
8,48
